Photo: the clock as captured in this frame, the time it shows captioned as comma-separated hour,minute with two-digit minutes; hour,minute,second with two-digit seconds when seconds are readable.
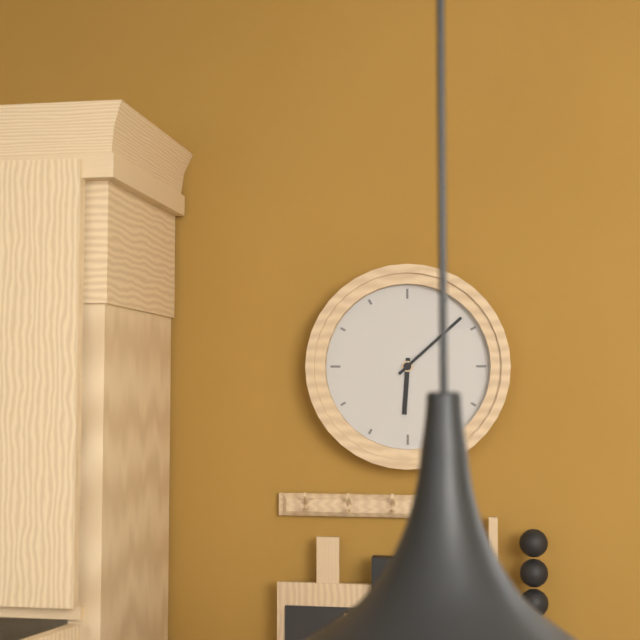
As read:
6,08
